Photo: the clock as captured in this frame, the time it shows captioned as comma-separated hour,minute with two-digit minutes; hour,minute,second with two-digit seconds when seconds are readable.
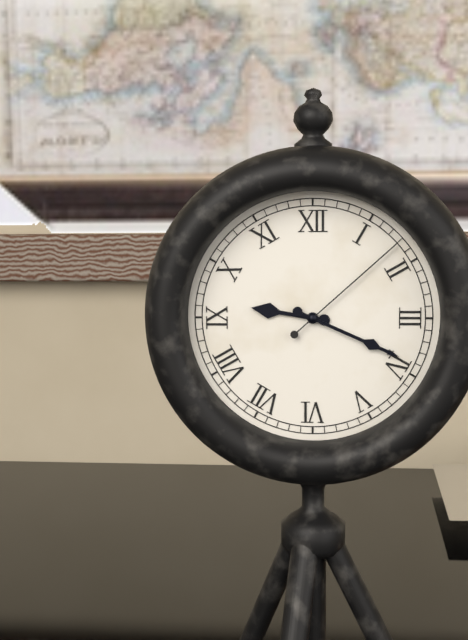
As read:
9,19,08
